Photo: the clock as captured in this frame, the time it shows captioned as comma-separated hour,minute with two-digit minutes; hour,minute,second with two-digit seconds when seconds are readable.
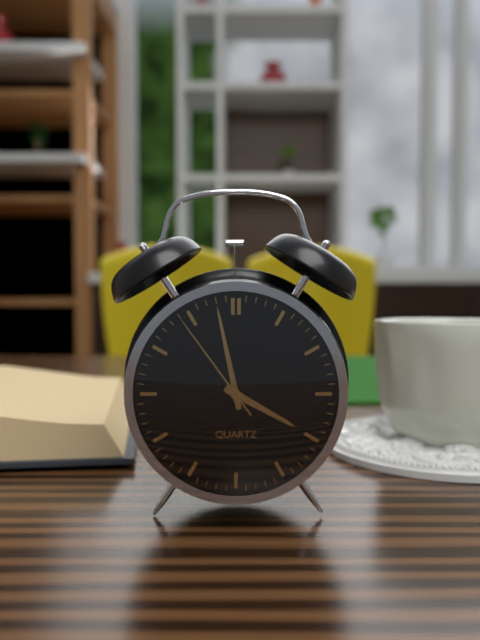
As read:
3,58,54
